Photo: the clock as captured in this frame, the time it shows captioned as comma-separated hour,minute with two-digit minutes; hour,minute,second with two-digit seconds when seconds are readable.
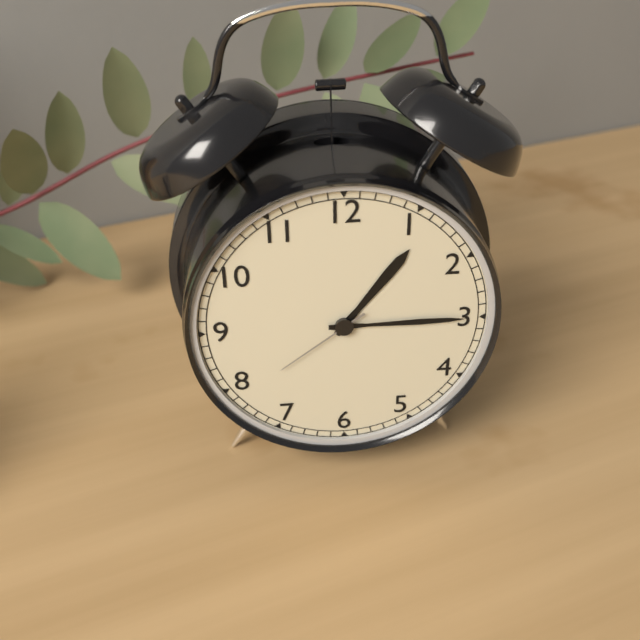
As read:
1,15,39
